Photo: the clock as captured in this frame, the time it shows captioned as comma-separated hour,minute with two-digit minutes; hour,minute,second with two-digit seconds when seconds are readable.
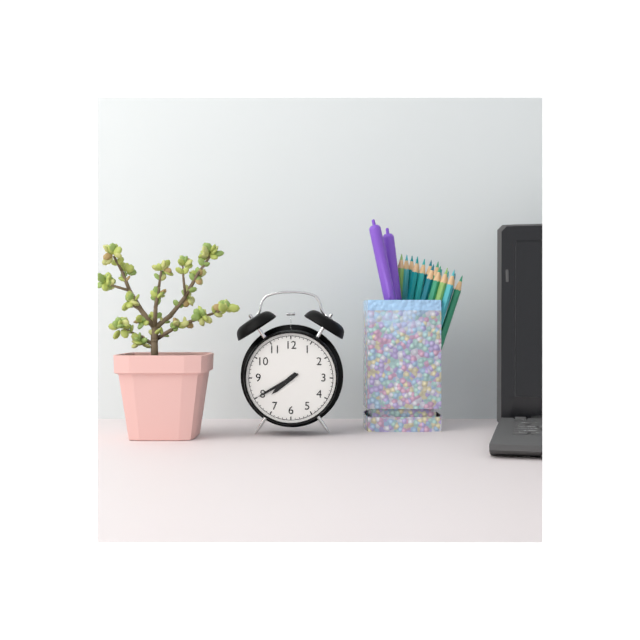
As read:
7,40
